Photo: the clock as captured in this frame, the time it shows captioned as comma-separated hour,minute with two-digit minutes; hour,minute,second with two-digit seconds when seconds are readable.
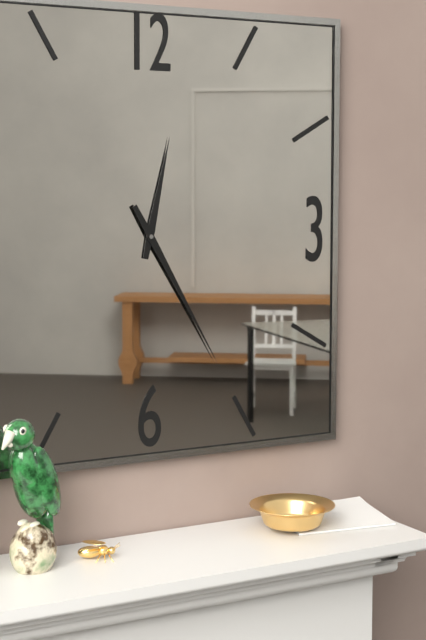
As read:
12,25
